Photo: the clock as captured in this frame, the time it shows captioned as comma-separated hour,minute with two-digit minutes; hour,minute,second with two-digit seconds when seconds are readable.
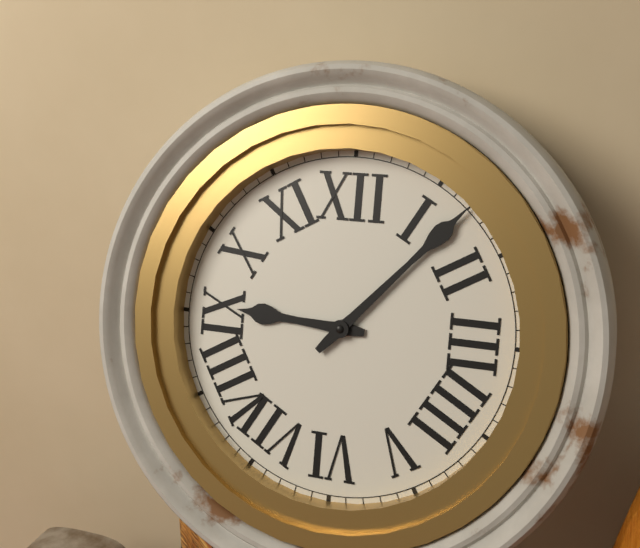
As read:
9,07
